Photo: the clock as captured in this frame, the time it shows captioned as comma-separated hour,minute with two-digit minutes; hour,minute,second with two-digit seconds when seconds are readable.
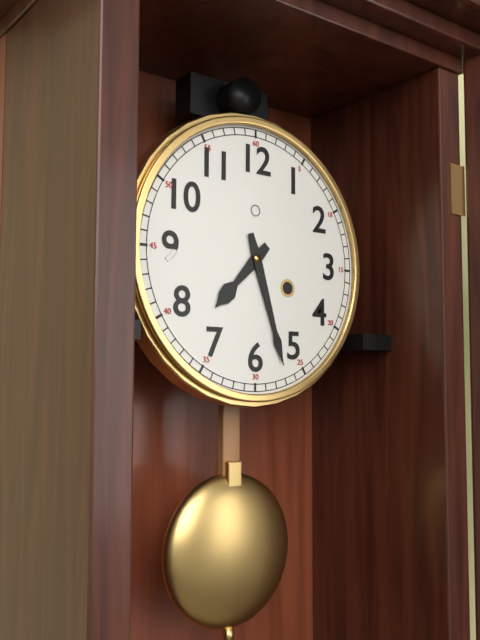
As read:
7,27
